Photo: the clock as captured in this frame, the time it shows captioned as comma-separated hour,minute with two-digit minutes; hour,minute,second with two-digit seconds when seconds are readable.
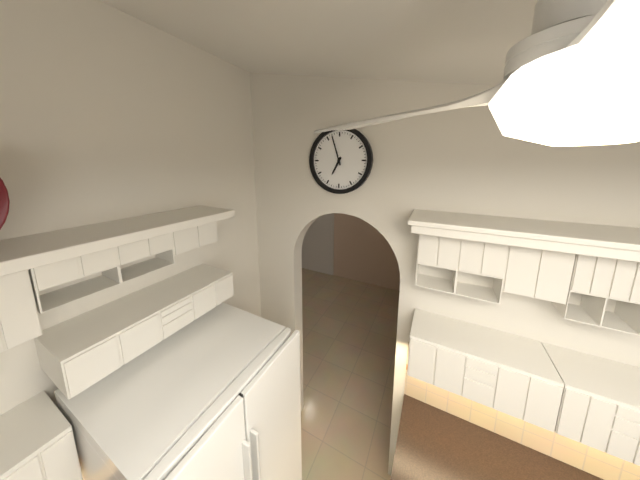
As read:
6,57
